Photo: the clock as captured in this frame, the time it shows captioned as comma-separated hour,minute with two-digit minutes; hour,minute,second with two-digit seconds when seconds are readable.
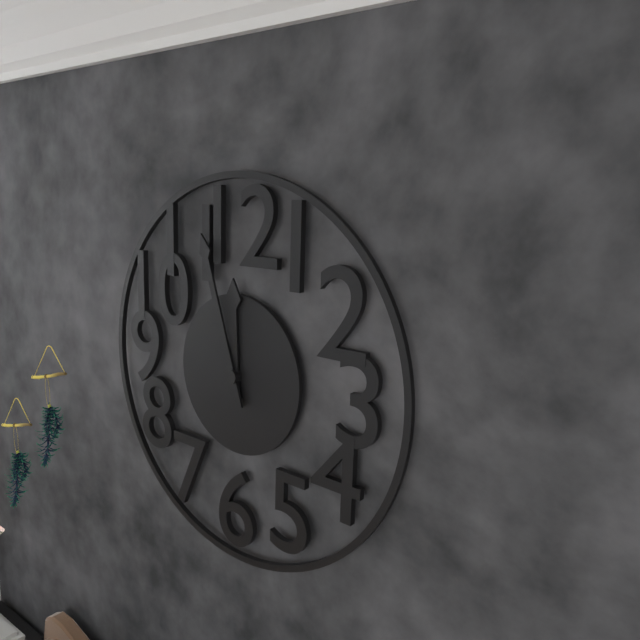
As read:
11,57
